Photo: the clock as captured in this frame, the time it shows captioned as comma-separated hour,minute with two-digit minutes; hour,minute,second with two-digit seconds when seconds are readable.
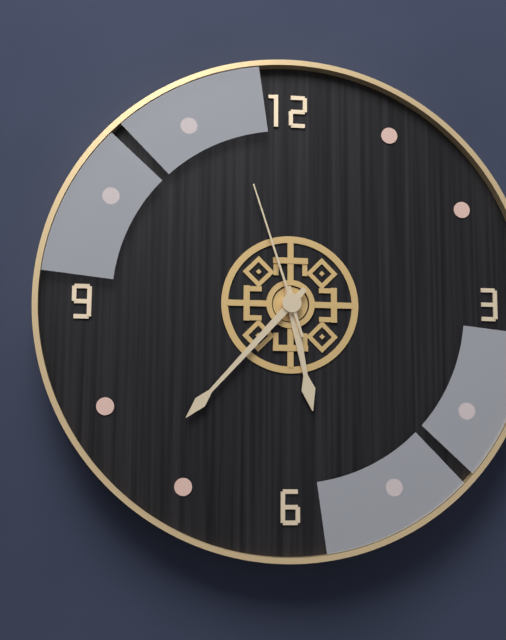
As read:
5,37,57
